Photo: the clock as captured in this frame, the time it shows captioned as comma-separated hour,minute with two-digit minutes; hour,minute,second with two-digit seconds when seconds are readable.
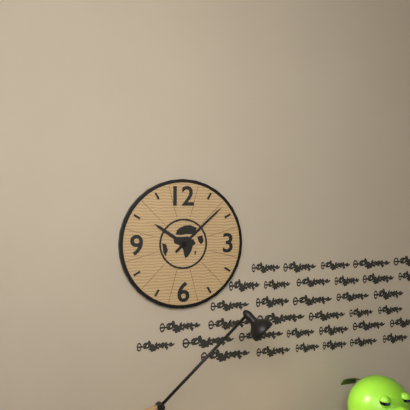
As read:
10,08
